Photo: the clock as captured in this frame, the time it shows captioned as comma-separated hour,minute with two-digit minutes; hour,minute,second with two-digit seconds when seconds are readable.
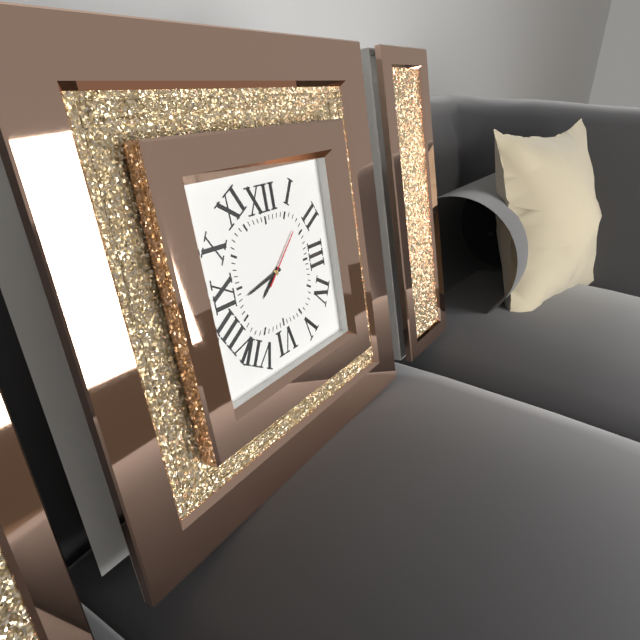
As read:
7,43,08
